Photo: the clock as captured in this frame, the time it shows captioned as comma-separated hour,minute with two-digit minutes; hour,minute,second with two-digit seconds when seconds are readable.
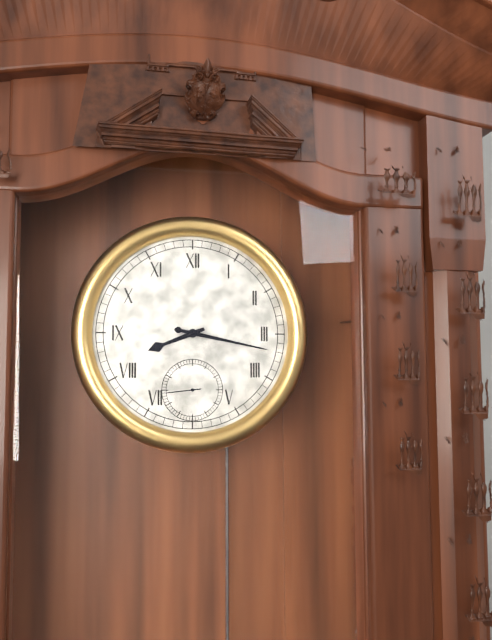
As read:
8,17
